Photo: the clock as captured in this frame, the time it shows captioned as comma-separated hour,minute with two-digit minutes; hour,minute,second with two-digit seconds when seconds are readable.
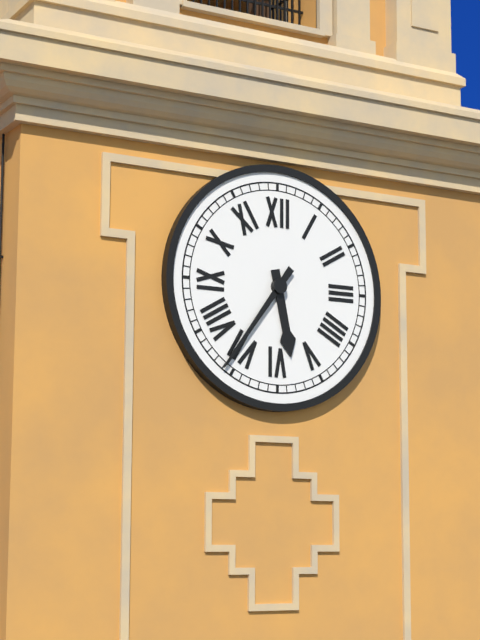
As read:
5,36
